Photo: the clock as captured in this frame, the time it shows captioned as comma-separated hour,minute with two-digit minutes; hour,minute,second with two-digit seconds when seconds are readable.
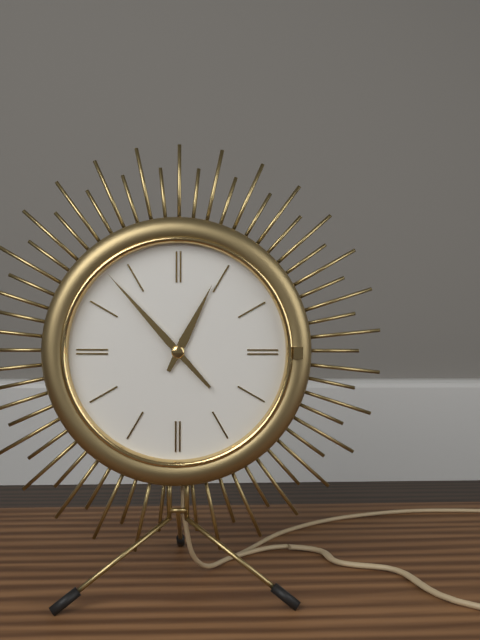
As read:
12,53
